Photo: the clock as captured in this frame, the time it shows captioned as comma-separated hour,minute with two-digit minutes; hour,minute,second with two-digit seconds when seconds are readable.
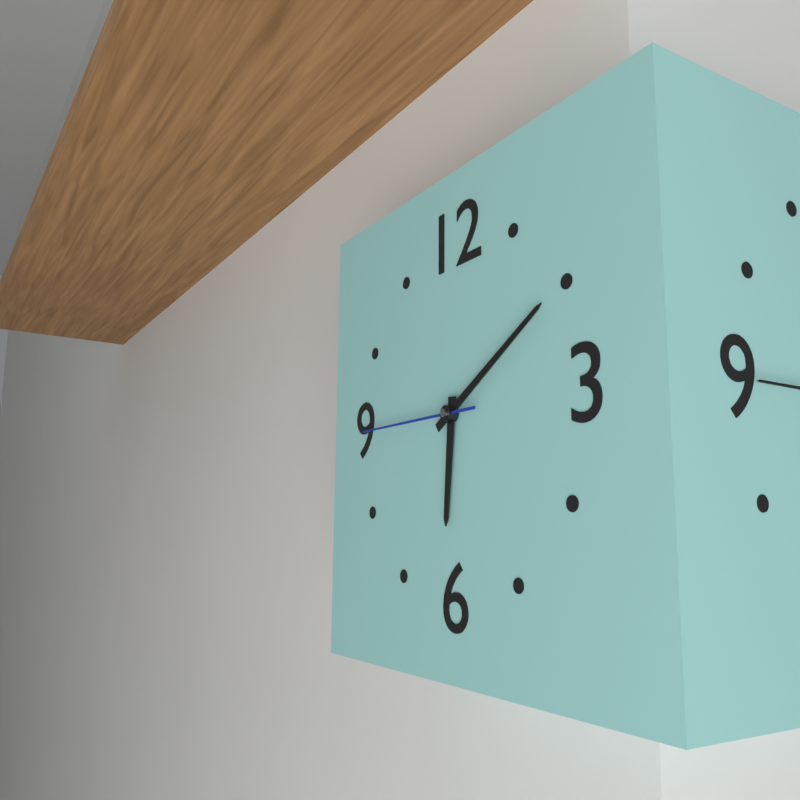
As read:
6,10,45
